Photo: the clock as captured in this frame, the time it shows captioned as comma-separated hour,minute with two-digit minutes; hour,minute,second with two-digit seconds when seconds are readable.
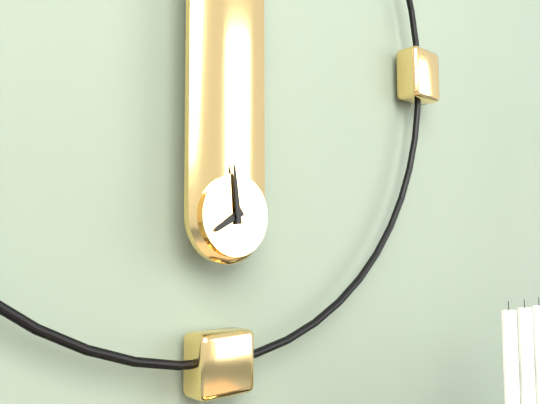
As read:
7,59
